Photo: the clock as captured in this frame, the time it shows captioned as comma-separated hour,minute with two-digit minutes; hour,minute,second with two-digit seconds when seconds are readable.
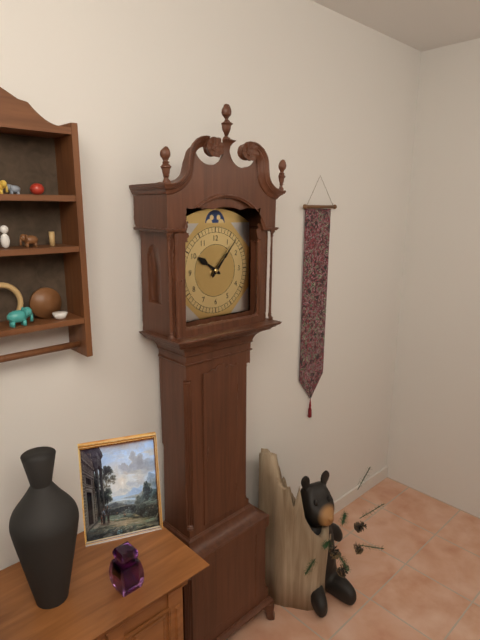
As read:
10,07
